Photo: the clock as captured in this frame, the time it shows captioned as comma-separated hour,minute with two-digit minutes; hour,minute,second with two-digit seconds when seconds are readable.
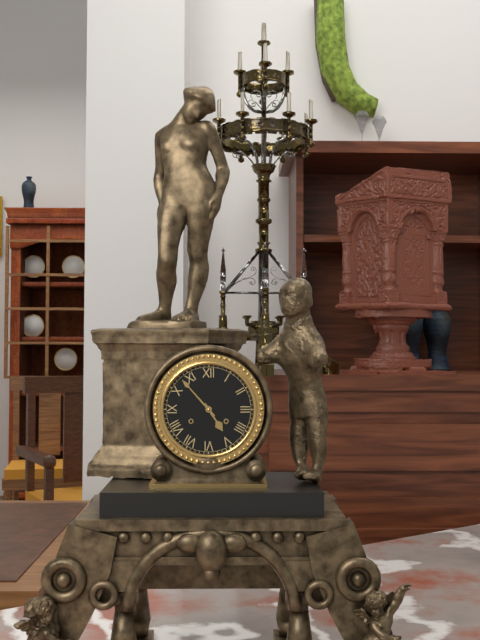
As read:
4,53
